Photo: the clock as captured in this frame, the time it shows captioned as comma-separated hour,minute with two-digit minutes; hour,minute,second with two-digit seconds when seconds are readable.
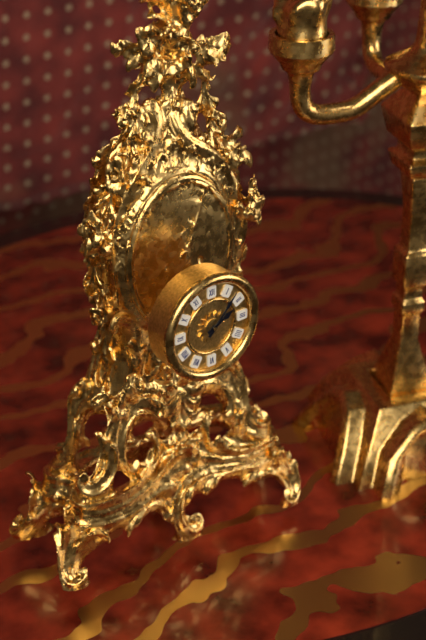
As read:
2,07
